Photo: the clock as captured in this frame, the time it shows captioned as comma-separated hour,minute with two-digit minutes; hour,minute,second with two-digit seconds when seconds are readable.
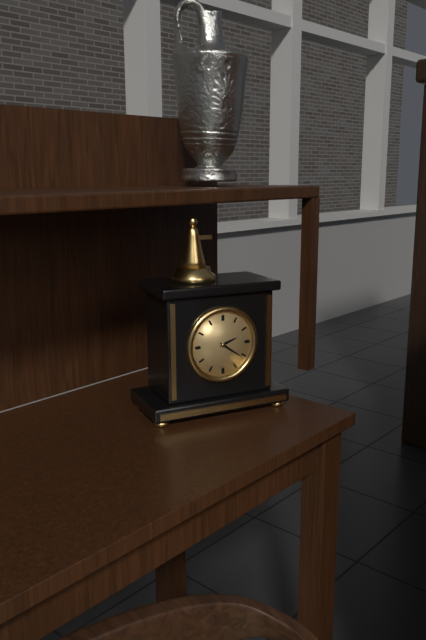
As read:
2,21
